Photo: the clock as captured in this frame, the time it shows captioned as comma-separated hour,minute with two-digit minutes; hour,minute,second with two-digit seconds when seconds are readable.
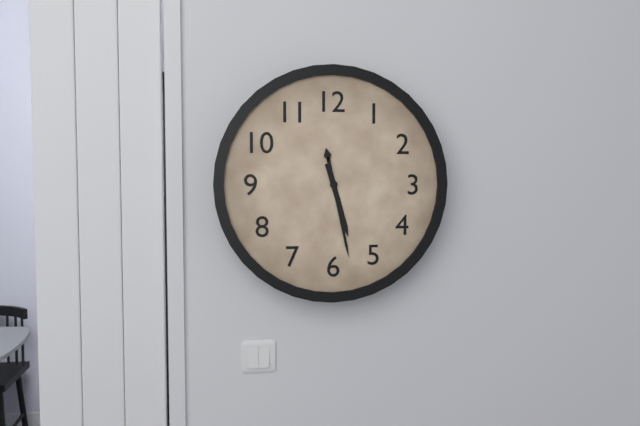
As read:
5,28
